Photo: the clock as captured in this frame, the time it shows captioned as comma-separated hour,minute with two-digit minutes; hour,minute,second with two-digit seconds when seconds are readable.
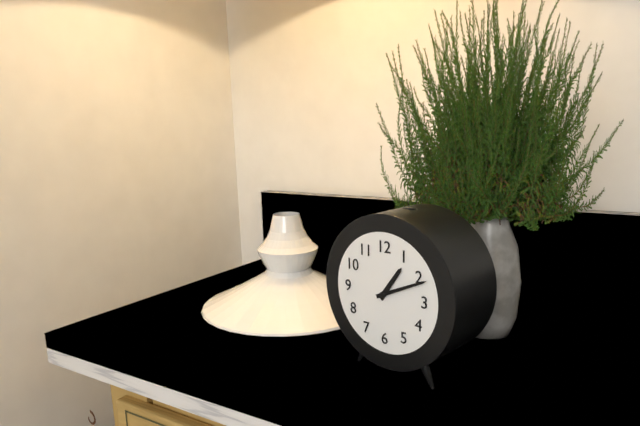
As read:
1,11
